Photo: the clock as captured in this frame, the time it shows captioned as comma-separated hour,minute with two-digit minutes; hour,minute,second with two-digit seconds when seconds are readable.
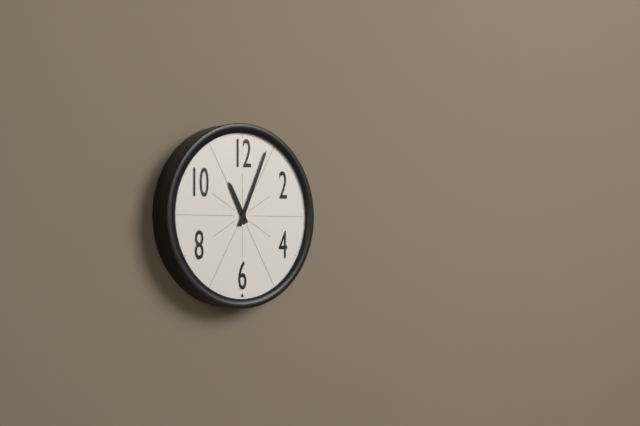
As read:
11,04
